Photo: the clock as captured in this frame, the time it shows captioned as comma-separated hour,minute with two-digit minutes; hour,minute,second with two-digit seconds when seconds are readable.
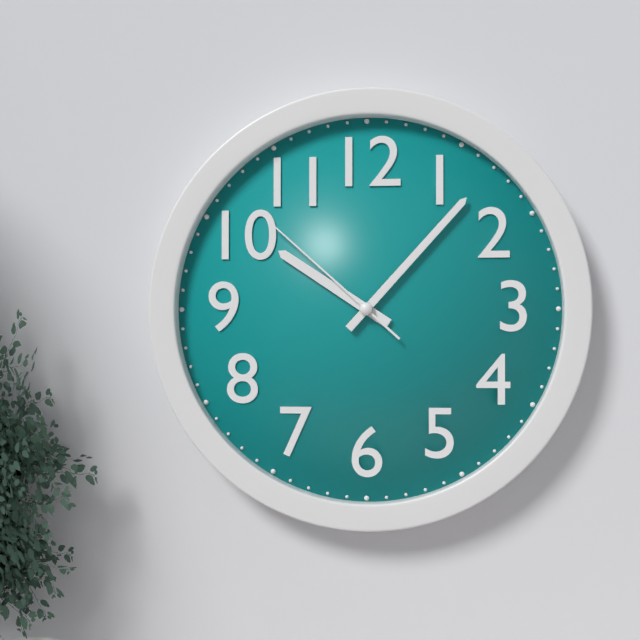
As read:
10,07,52
